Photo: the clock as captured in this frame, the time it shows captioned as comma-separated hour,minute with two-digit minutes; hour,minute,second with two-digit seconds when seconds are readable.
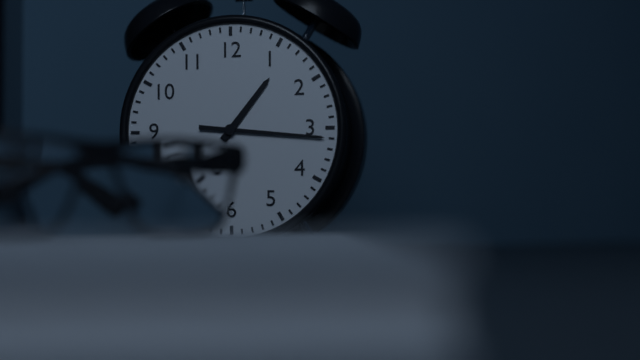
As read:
1,16
